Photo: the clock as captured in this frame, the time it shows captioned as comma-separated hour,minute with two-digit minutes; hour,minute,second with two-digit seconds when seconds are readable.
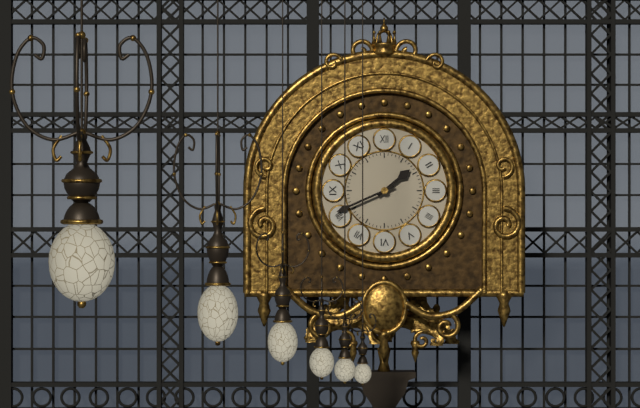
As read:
1,41
